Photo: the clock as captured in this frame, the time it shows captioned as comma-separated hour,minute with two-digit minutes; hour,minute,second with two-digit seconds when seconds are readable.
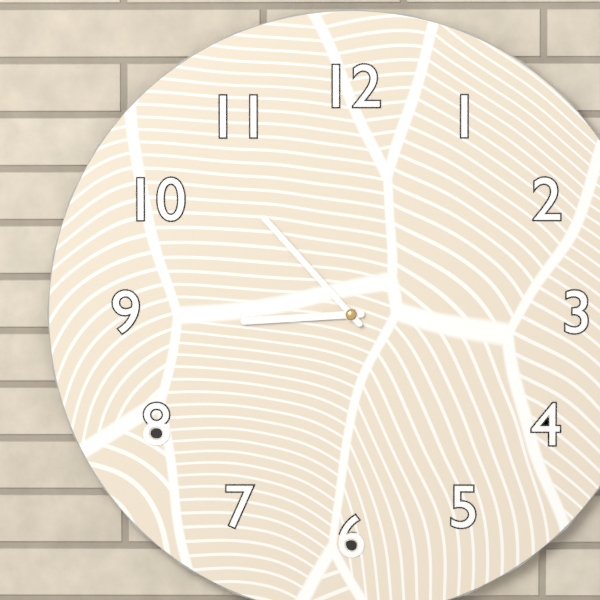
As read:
8,53
